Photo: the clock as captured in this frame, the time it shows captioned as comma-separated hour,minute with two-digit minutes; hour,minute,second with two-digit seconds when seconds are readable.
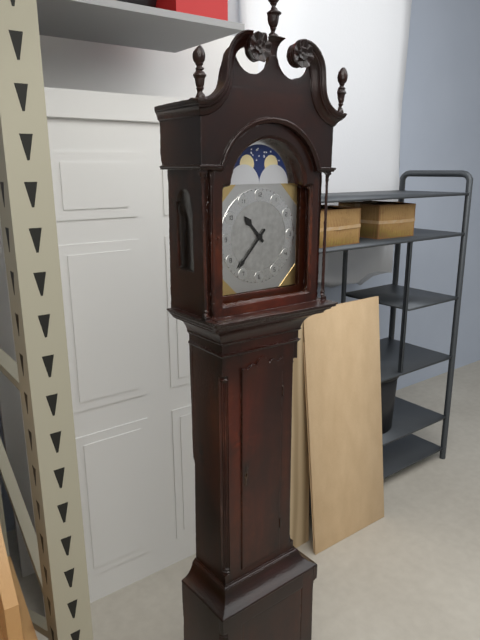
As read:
10,37
